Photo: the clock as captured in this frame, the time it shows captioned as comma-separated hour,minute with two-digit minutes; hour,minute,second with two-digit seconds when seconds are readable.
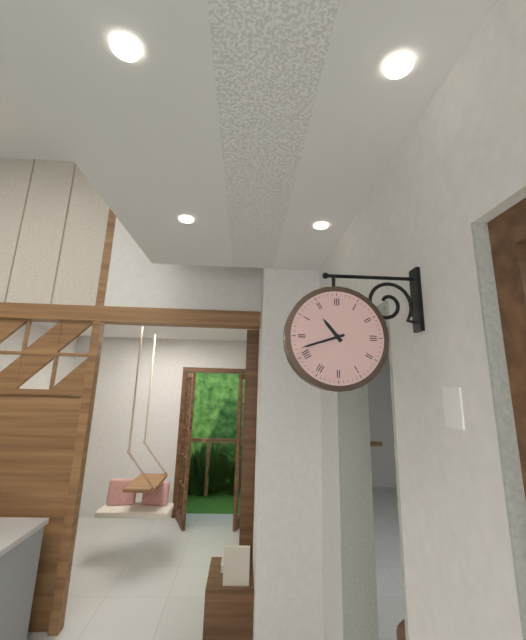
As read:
10,42
